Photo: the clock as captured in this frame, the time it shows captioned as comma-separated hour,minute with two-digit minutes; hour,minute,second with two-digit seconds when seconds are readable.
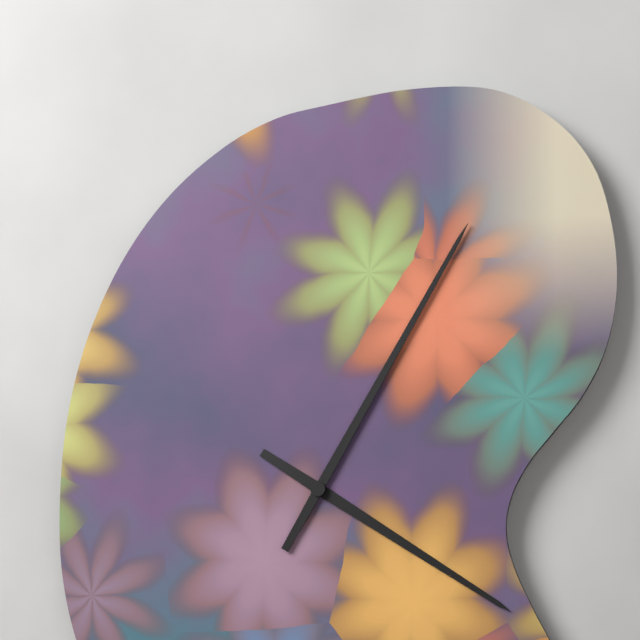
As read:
4,05
